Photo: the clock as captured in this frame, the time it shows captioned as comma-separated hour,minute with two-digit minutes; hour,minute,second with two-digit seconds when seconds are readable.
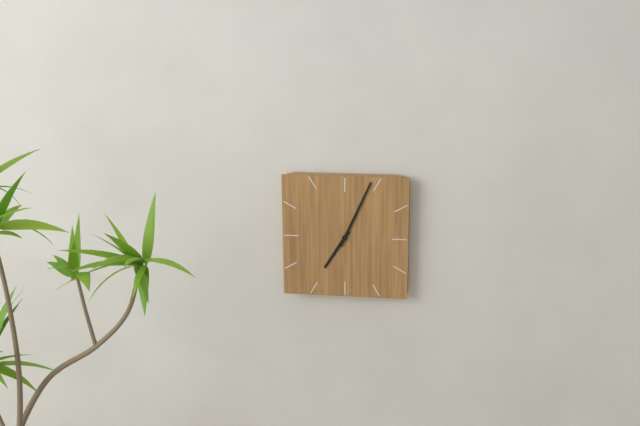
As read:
7,04
